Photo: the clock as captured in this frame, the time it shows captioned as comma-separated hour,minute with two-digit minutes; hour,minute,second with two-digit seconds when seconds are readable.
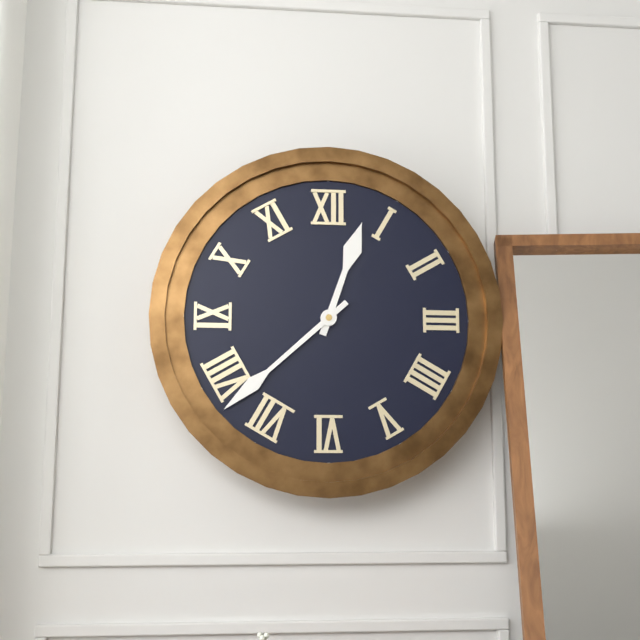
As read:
12,38
